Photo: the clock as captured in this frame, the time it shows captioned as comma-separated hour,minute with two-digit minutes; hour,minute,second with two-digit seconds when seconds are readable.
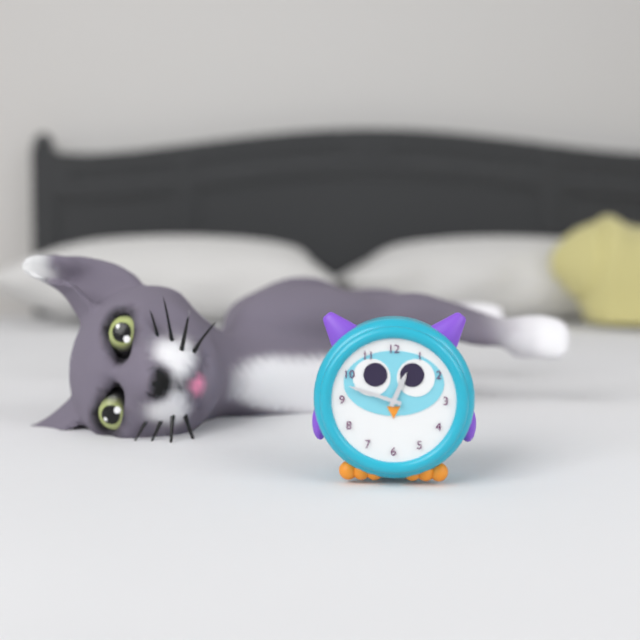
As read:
12,48
